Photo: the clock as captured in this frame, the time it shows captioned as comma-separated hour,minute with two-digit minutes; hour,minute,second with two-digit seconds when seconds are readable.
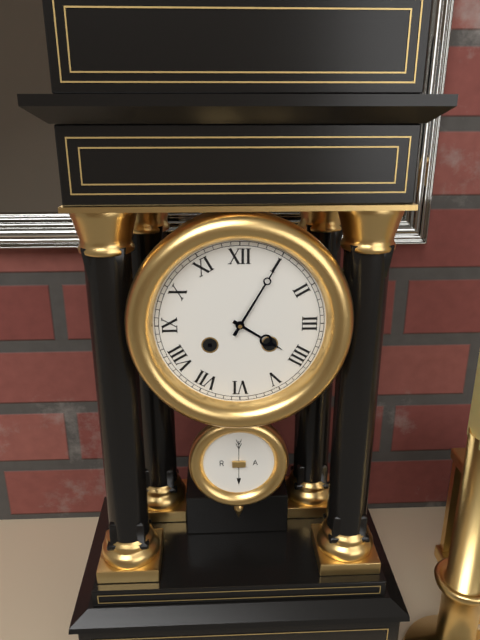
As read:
4,05
